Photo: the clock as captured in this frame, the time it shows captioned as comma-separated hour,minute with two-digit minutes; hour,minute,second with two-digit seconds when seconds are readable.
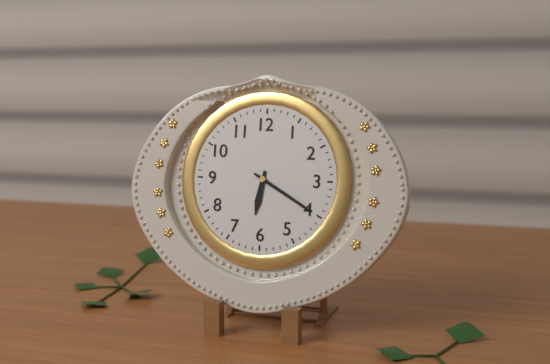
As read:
6,20
